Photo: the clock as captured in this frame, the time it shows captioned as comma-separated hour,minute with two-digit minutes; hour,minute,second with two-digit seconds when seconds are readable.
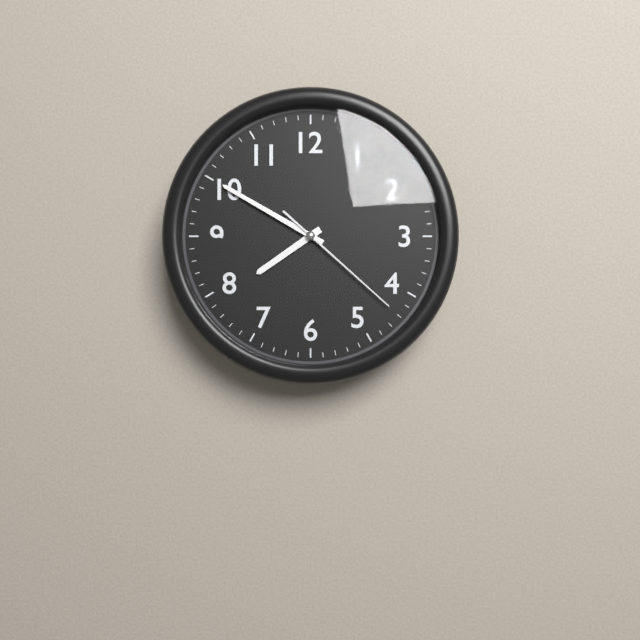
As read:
7,50,22
